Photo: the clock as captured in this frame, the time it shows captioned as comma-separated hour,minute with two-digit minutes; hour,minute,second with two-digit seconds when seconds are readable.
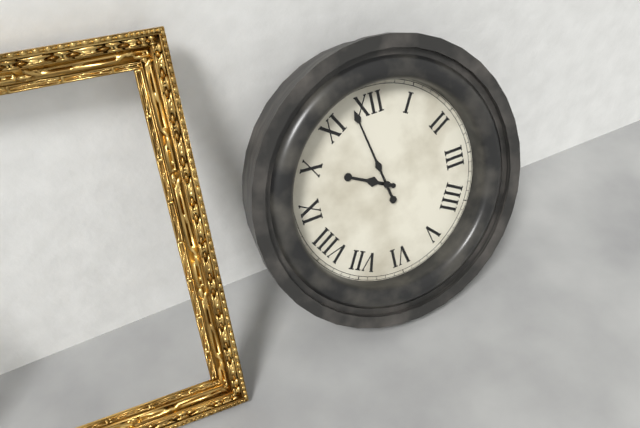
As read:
9,58
